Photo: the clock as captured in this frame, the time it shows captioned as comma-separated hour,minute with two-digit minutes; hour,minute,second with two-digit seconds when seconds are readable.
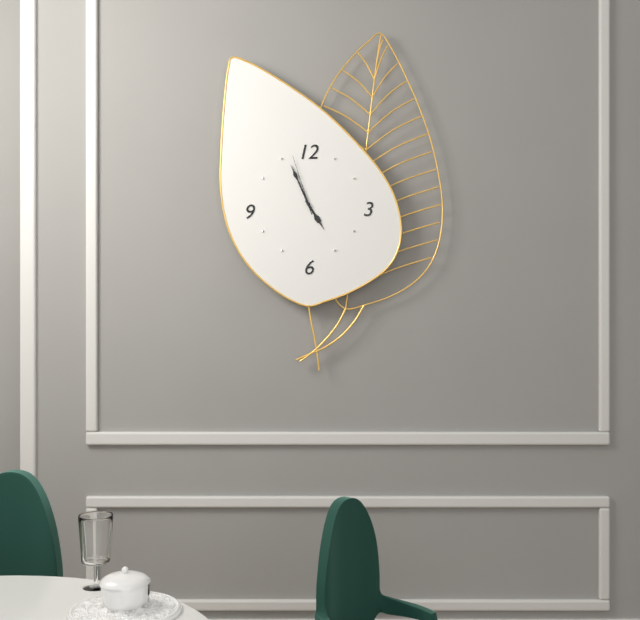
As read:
4,56,57
